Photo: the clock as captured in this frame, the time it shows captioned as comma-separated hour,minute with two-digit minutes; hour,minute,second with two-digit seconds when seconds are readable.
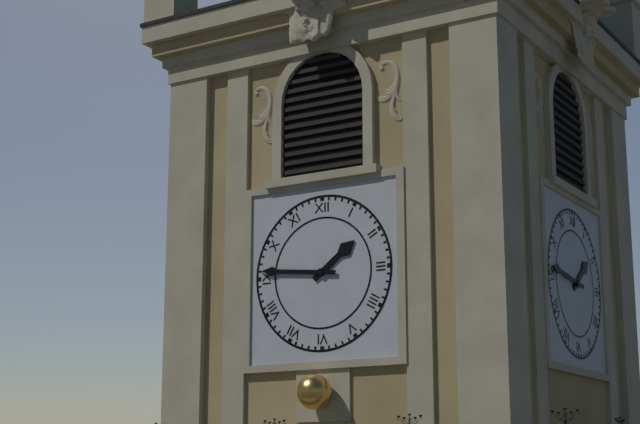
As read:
1,46
